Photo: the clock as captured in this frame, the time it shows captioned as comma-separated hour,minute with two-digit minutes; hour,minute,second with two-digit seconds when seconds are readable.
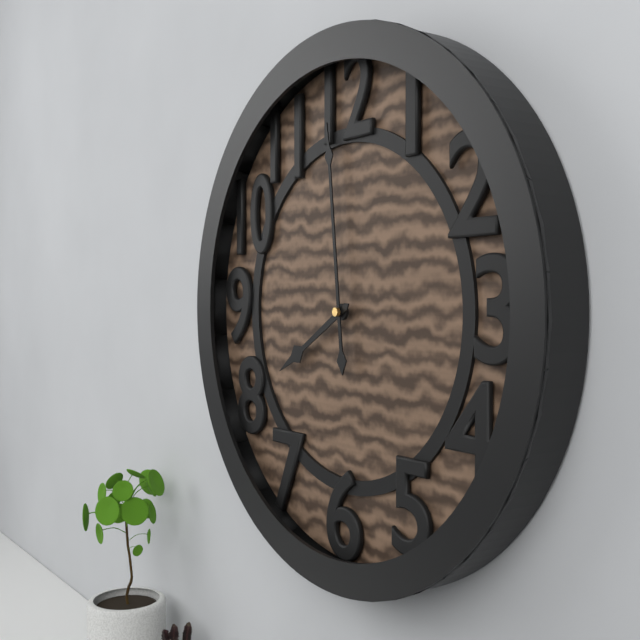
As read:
7,59
